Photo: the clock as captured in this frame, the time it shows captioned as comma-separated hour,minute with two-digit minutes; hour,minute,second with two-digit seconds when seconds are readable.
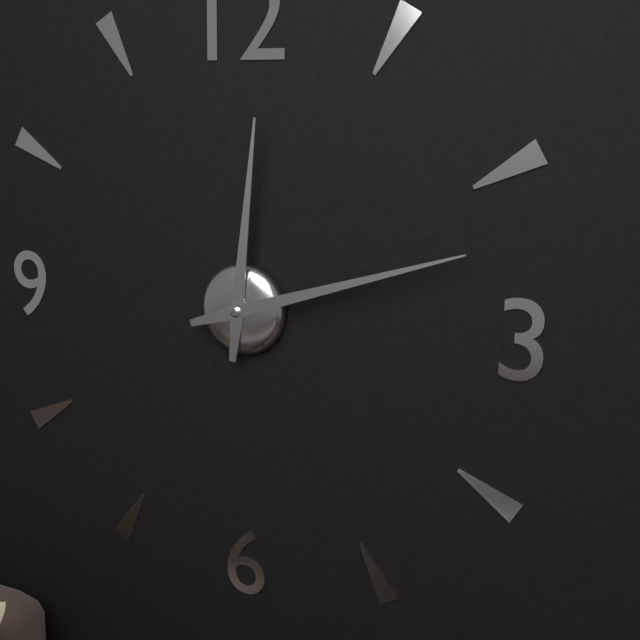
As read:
12,12
